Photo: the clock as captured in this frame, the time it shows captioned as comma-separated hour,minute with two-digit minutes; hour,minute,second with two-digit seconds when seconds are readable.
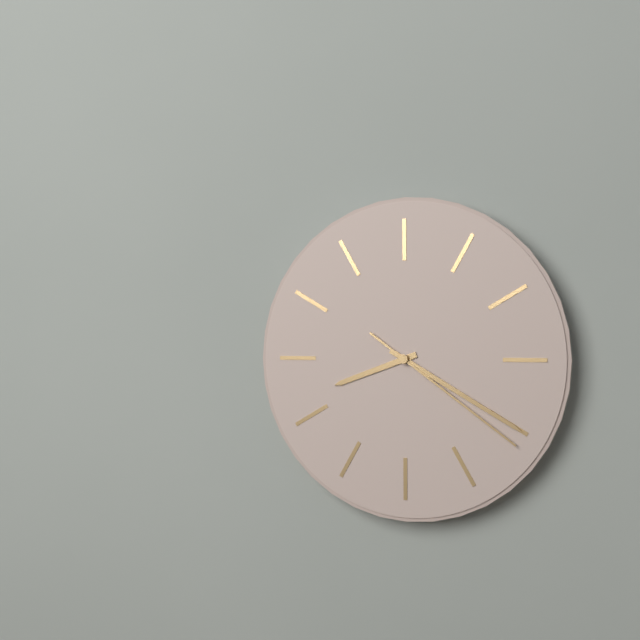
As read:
8,20,21
